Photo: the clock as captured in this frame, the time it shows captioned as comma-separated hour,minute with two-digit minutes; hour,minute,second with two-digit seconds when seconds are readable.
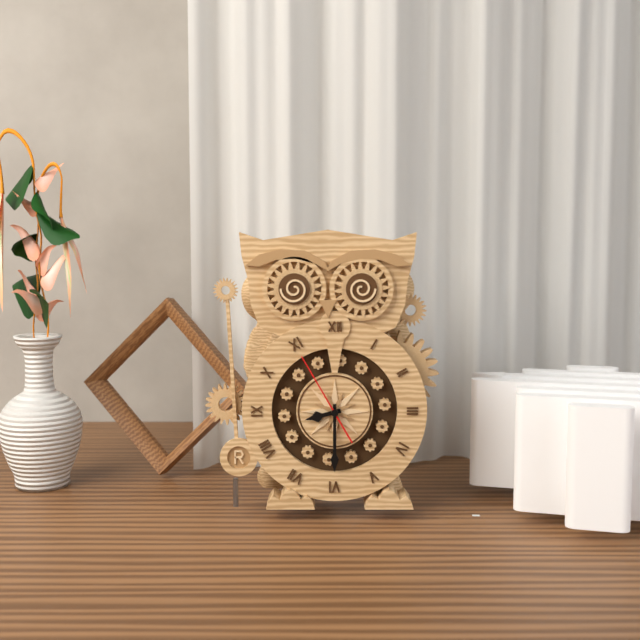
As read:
8,30,55
